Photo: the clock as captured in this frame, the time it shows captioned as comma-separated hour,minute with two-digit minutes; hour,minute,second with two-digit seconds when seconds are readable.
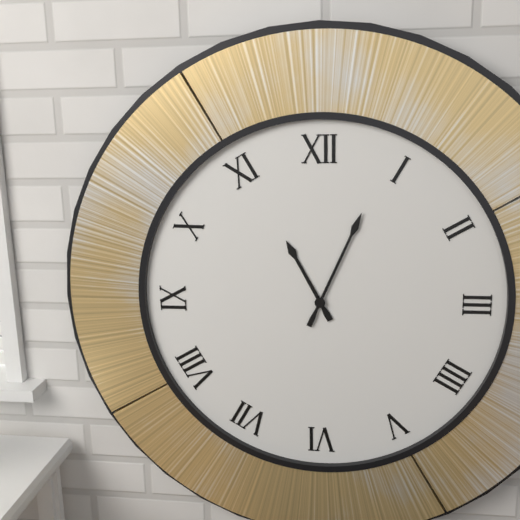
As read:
11,04
